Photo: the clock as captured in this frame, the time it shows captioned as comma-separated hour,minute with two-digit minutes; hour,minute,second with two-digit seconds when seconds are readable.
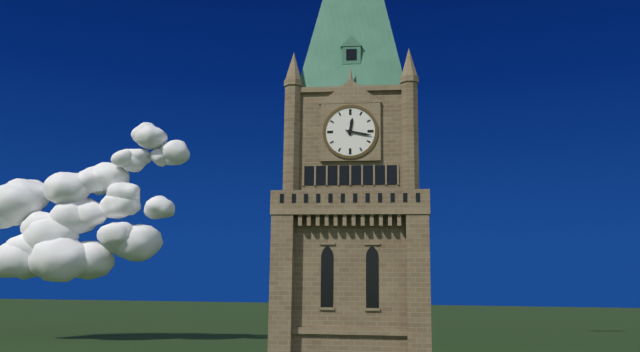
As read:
12,17
